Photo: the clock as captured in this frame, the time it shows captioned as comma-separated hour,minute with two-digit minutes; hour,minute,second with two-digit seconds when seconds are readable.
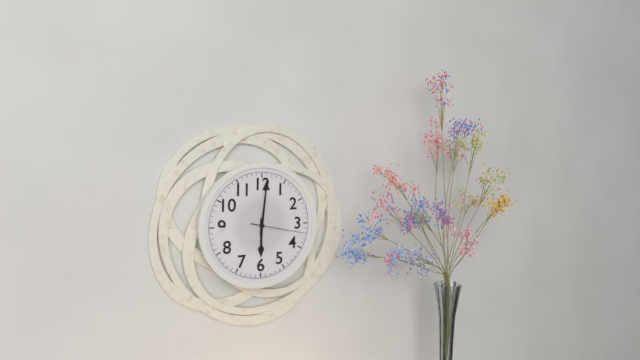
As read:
6,01,17
